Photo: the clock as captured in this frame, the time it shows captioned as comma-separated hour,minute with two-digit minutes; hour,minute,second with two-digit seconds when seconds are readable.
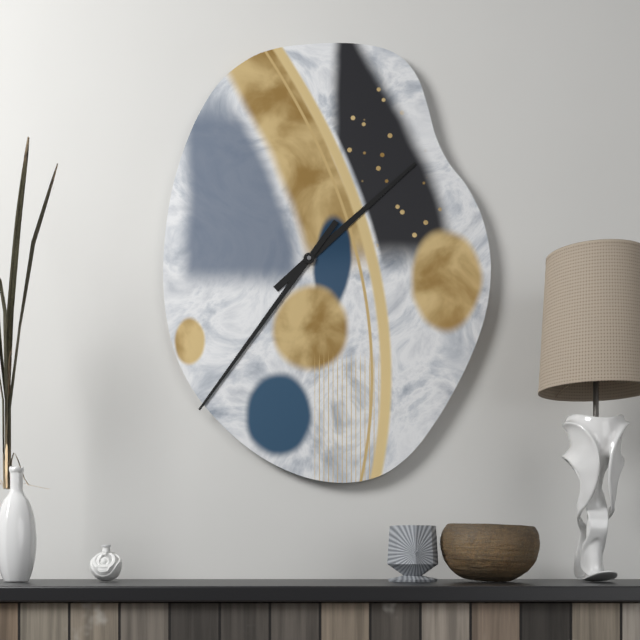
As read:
1,36
